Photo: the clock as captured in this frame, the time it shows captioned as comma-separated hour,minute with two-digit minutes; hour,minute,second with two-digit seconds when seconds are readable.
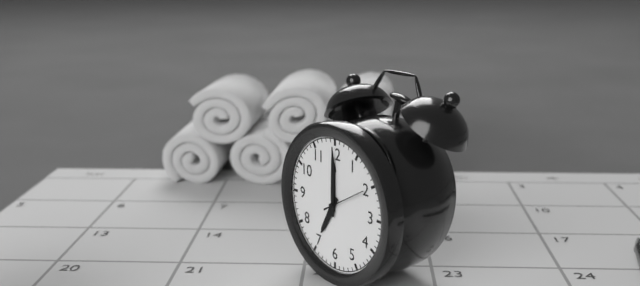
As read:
7,00
